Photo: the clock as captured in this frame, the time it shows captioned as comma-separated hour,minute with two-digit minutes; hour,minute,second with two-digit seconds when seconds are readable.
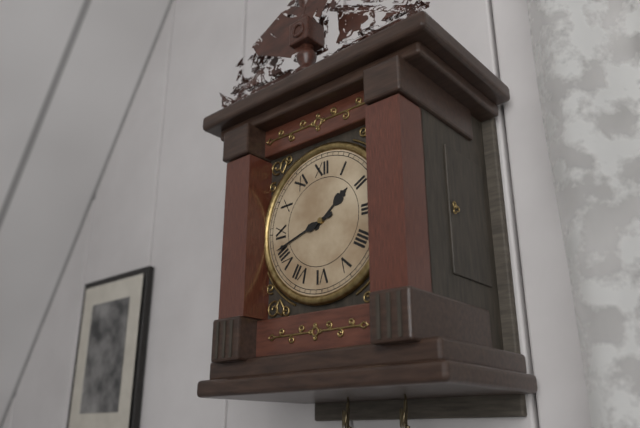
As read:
1,42
